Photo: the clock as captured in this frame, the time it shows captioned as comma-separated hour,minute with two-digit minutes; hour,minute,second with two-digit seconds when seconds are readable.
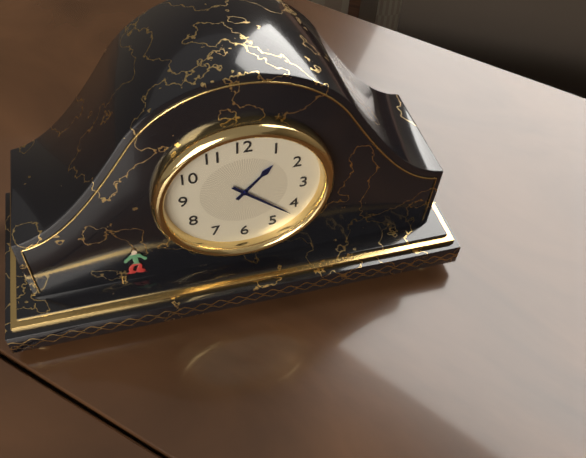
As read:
1,22
